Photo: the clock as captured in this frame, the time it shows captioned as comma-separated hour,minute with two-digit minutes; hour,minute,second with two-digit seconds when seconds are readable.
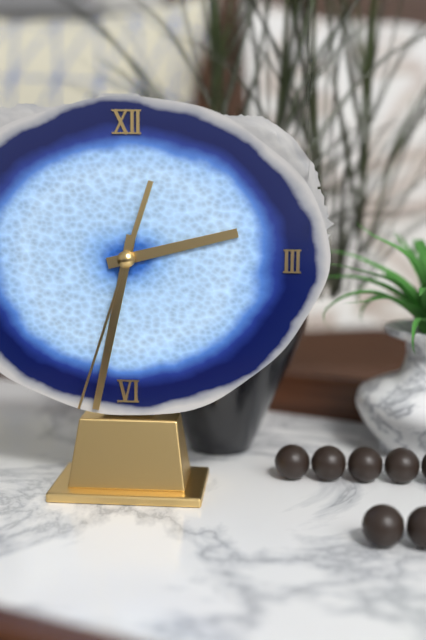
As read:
2,32,33
